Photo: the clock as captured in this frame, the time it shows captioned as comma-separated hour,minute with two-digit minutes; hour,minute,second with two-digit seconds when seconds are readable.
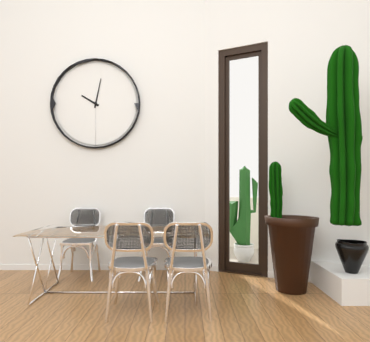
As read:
10,02
